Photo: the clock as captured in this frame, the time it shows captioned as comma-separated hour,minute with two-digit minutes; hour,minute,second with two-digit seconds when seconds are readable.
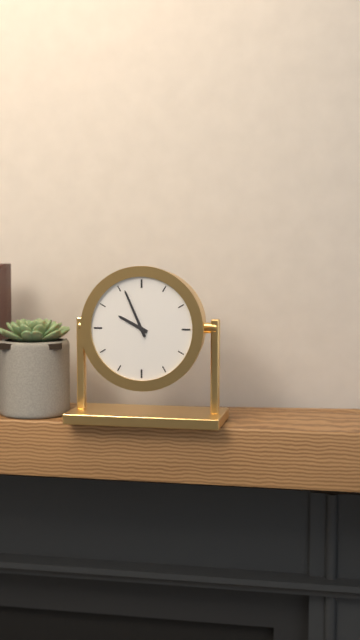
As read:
9,56
